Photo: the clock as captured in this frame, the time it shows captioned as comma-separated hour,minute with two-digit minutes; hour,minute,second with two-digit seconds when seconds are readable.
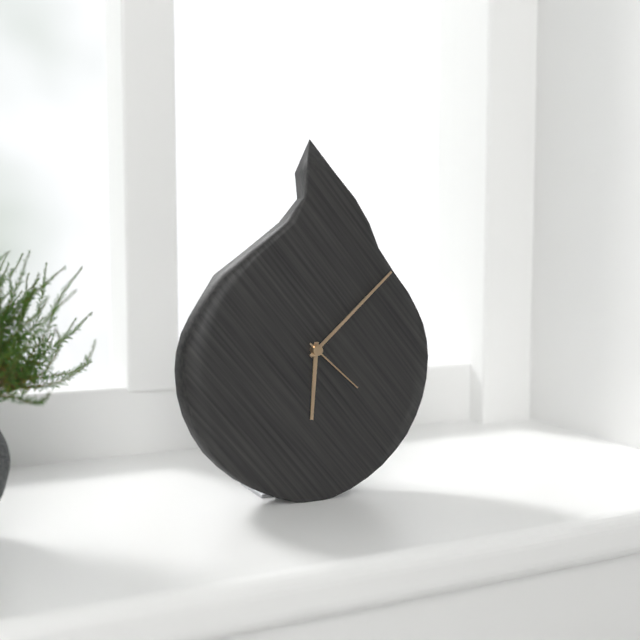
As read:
6,08,22
